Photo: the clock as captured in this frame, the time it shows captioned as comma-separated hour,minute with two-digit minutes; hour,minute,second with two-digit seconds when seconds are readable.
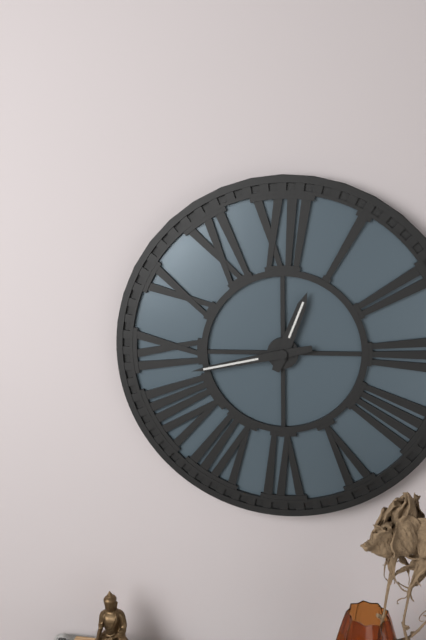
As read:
12,43
